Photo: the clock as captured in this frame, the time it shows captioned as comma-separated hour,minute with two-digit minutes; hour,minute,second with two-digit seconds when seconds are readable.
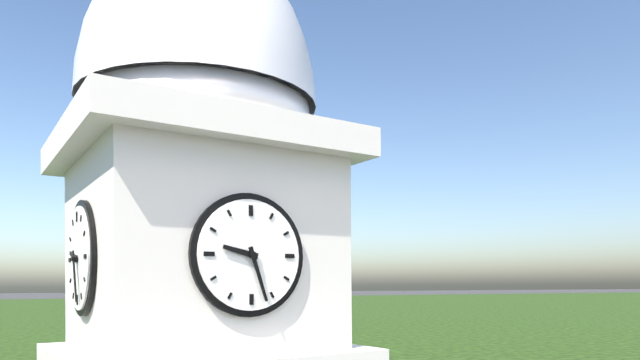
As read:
9,27
